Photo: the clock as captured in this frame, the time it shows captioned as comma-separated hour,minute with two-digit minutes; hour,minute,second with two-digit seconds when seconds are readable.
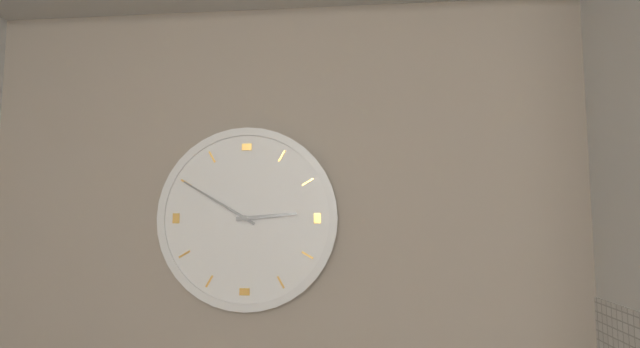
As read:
2,50
